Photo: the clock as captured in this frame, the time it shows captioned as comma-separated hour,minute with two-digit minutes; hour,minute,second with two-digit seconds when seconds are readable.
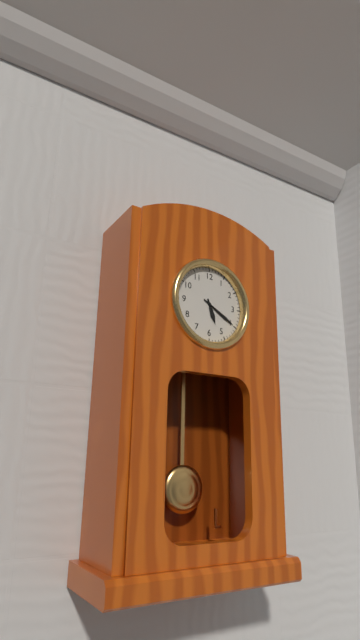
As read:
5,20
